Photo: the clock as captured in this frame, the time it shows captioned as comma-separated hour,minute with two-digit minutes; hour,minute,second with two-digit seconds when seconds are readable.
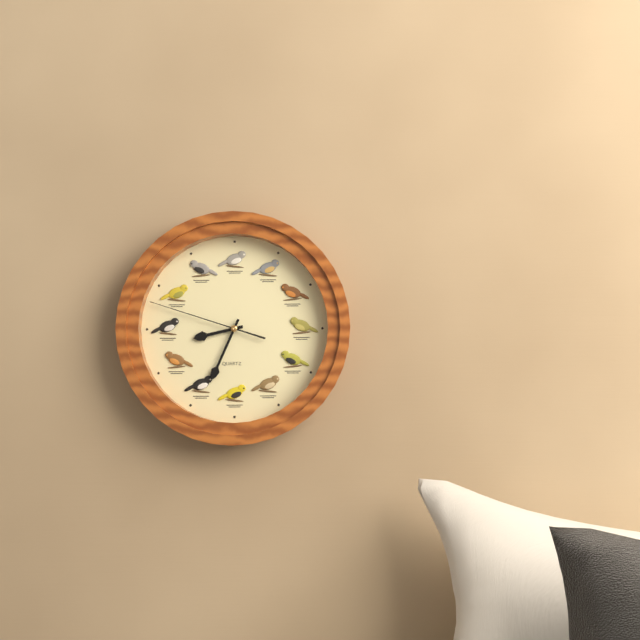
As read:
8,34,48
